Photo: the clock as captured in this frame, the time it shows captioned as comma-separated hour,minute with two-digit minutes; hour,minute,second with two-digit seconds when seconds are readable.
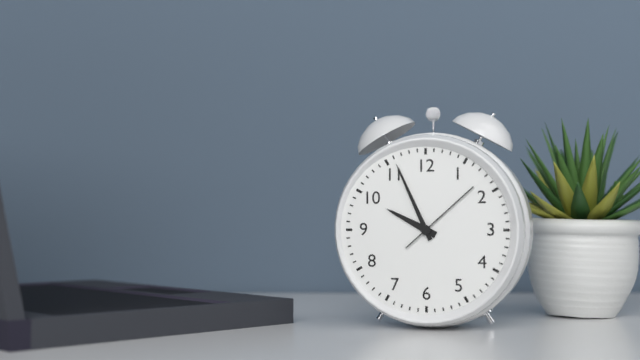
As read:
9,56,08
